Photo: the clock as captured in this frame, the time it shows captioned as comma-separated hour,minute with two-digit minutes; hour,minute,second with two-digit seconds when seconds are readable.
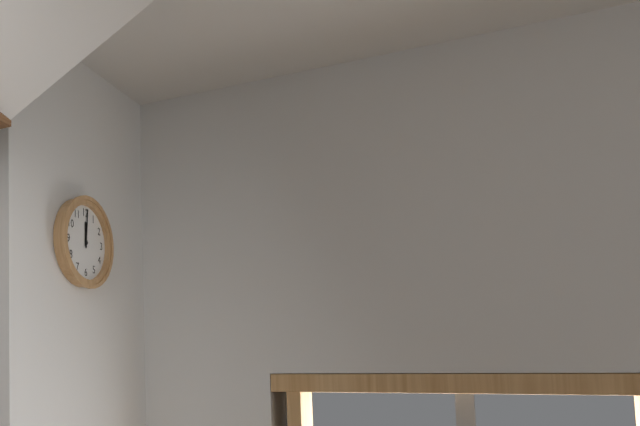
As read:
12,01
